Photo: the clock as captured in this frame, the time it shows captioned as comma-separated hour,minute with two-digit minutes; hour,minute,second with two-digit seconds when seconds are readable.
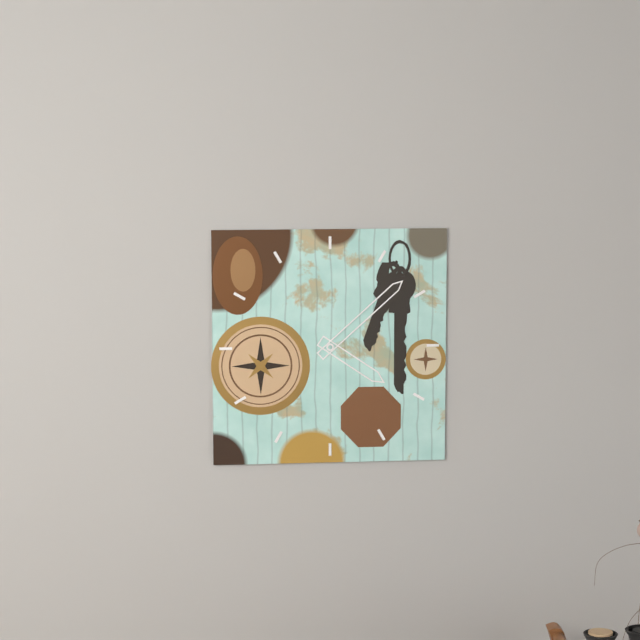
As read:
4,08
